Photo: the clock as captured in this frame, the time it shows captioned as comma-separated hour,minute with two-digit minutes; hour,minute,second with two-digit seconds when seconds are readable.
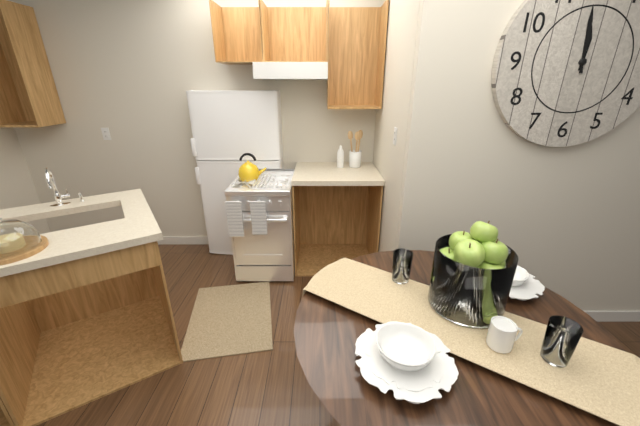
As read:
11,59
